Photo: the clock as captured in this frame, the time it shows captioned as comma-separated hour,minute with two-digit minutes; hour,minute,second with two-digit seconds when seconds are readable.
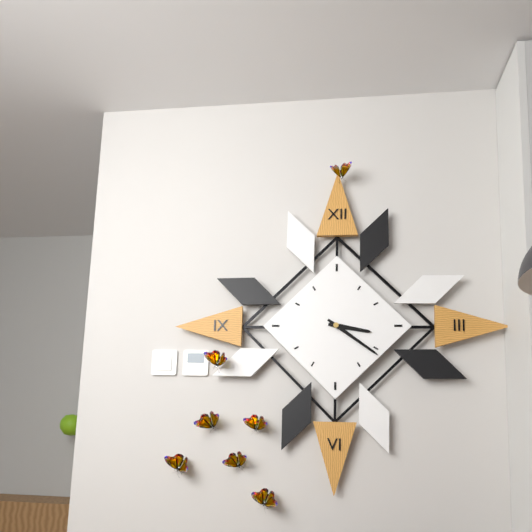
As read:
3,21
